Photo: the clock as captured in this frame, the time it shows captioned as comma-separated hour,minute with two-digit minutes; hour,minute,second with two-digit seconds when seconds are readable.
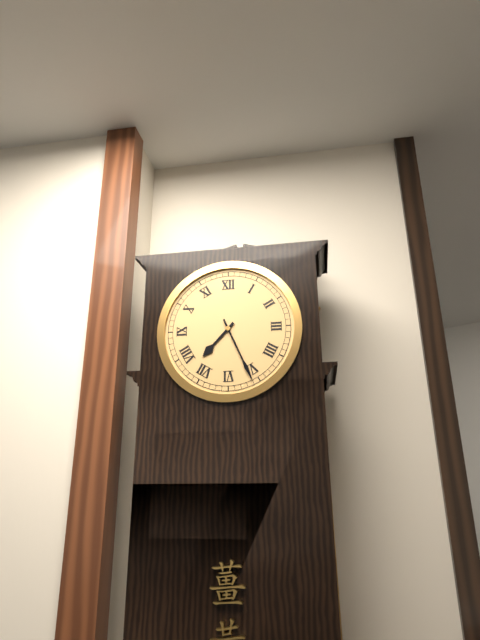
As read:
7,26
